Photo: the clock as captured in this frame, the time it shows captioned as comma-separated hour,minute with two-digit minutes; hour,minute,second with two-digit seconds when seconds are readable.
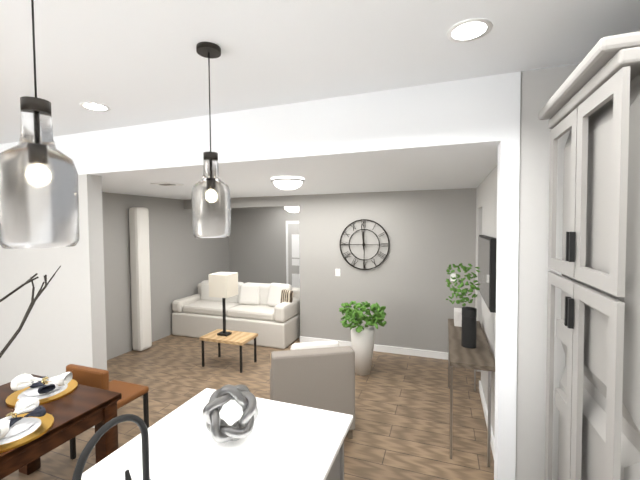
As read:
11,59
